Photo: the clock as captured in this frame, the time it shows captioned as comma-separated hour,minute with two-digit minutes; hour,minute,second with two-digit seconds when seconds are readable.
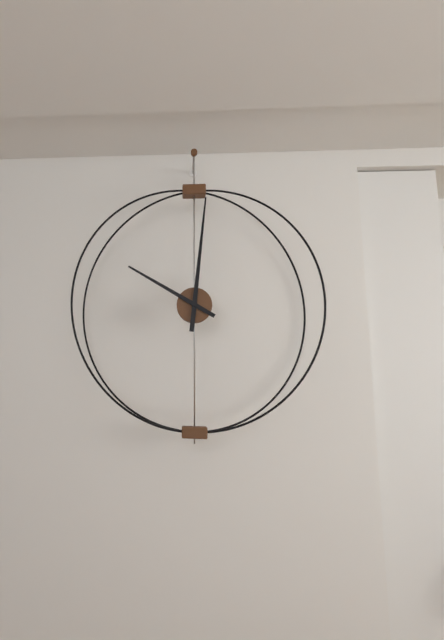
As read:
10,01
